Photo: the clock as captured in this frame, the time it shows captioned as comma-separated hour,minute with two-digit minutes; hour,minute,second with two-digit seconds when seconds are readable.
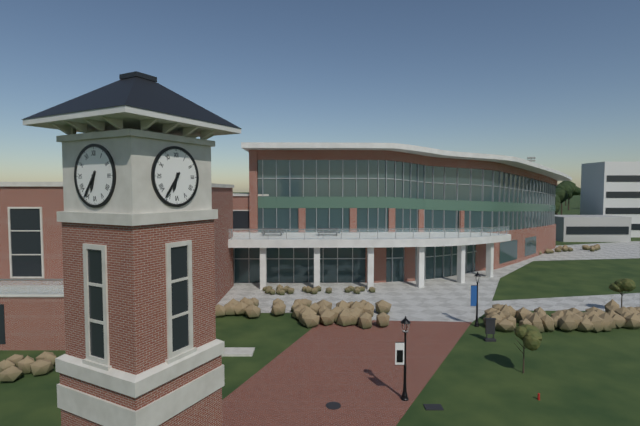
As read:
6,36
